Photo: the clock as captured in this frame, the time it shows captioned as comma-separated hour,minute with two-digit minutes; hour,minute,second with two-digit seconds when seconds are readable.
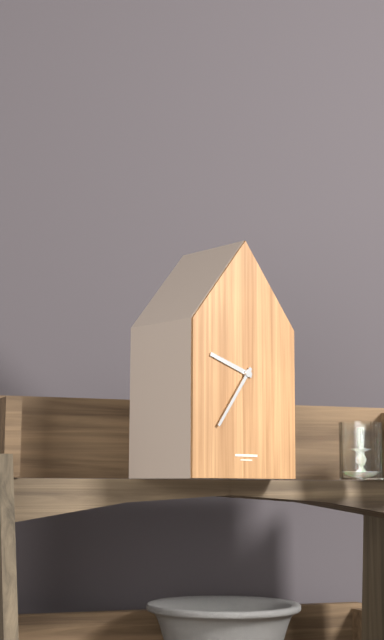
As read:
9,36
